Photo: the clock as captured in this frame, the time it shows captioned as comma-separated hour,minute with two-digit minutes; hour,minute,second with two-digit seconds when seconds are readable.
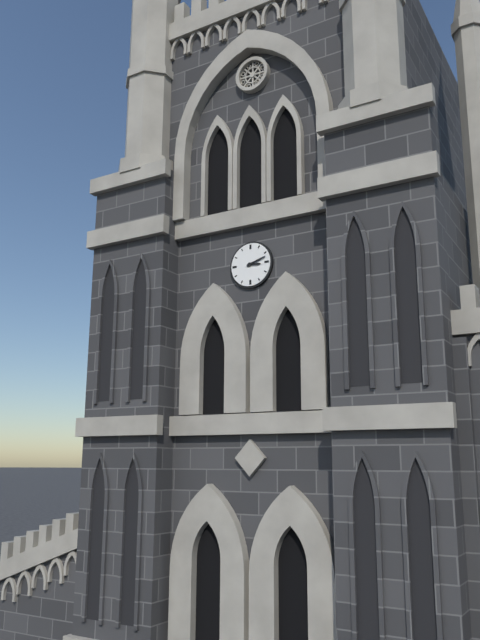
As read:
3,12
